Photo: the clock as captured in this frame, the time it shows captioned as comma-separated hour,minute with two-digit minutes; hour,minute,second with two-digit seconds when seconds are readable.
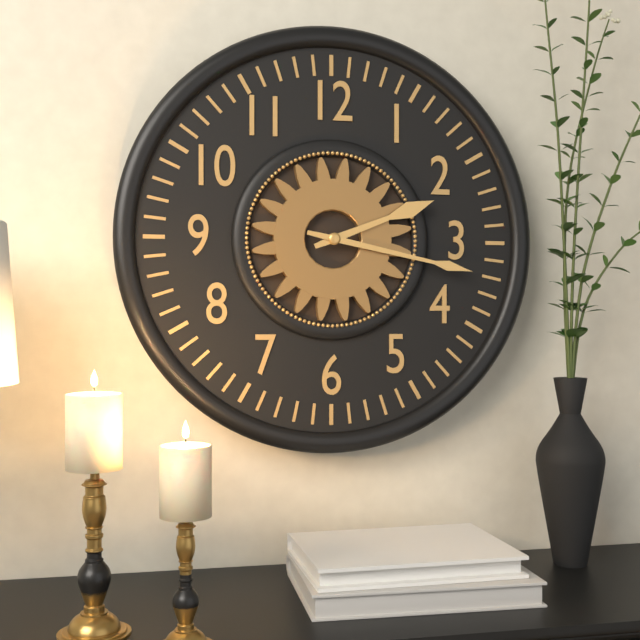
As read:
2,17
